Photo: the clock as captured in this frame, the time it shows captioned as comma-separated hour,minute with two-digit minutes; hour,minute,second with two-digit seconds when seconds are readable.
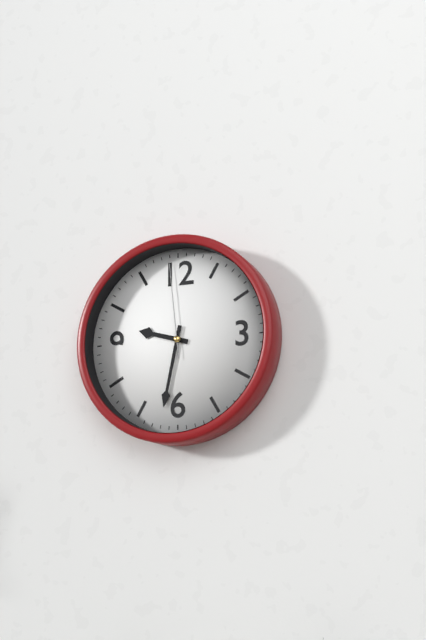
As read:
9,32,59
